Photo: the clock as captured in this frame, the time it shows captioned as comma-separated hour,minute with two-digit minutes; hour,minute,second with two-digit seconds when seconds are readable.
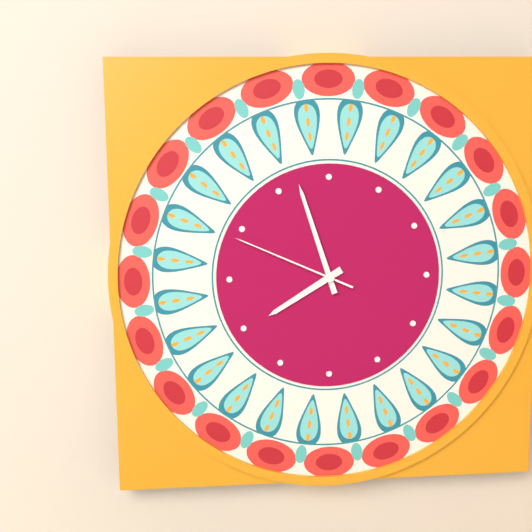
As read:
7,57,49
